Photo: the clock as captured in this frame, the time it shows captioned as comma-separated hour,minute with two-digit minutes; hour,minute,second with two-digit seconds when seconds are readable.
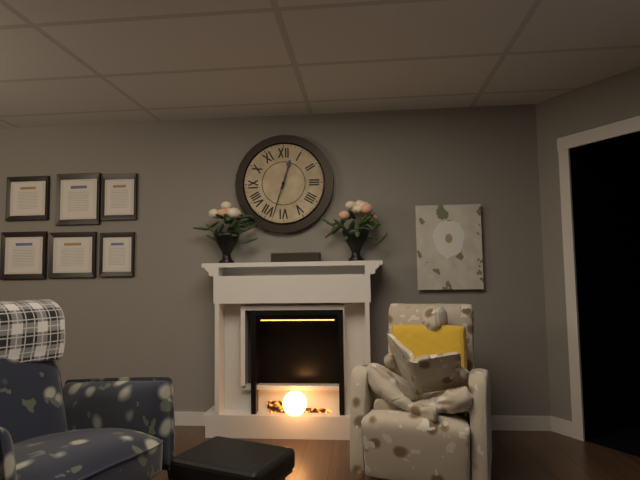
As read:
12,33
